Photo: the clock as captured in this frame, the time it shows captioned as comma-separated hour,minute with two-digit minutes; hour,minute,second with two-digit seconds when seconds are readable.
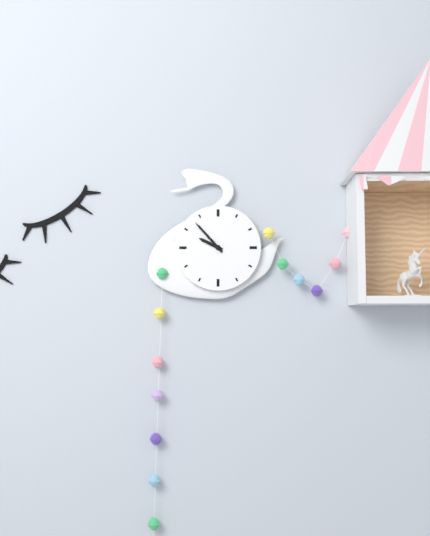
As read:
9,53
